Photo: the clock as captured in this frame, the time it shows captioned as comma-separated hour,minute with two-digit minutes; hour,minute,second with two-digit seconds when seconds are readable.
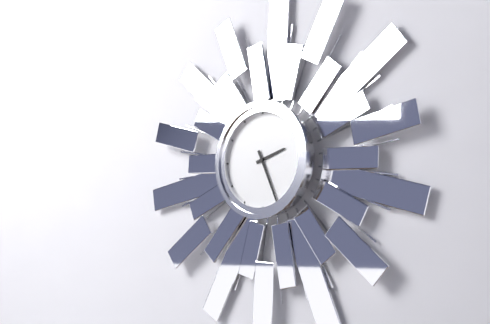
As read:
2,26
